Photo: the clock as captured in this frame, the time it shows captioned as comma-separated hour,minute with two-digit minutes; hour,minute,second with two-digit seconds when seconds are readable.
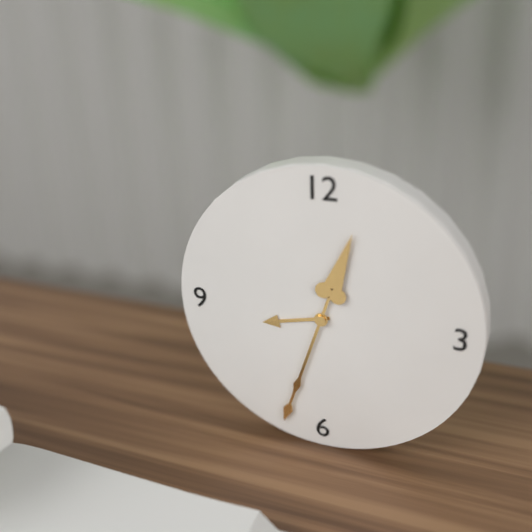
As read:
8,33
